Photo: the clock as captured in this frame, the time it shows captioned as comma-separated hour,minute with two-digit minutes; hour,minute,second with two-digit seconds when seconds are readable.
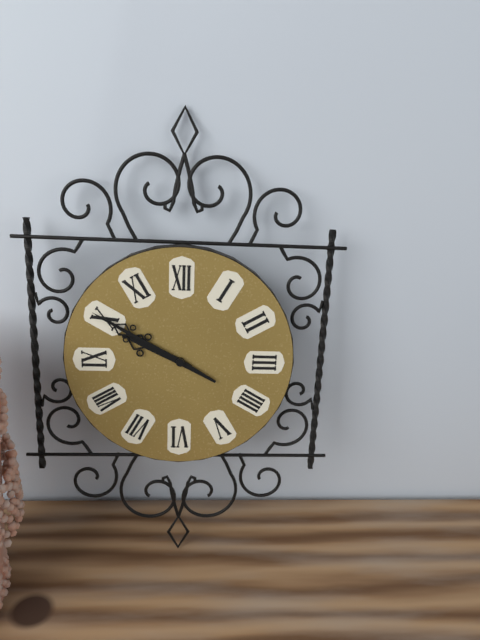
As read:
9,50
